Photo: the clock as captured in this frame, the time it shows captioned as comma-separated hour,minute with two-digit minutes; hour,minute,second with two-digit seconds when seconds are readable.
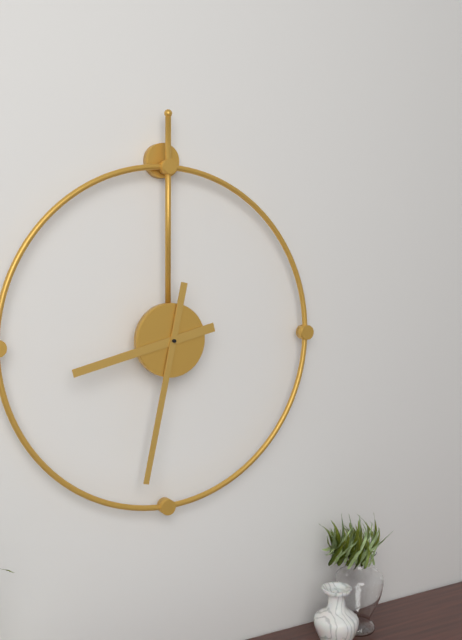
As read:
8,32
